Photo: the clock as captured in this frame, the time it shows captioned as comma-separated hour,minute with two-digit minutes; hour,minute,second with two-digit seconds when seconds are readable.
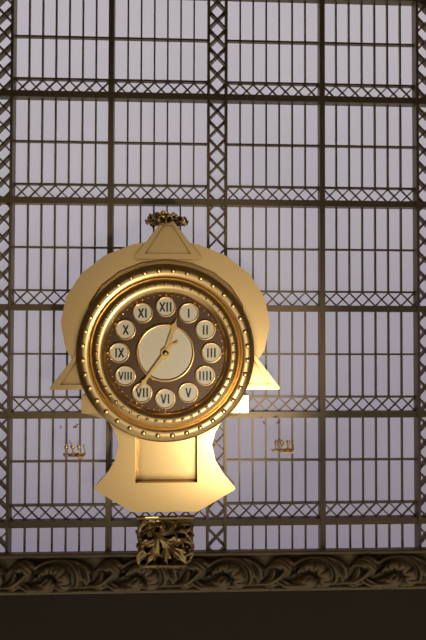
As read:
12,36
